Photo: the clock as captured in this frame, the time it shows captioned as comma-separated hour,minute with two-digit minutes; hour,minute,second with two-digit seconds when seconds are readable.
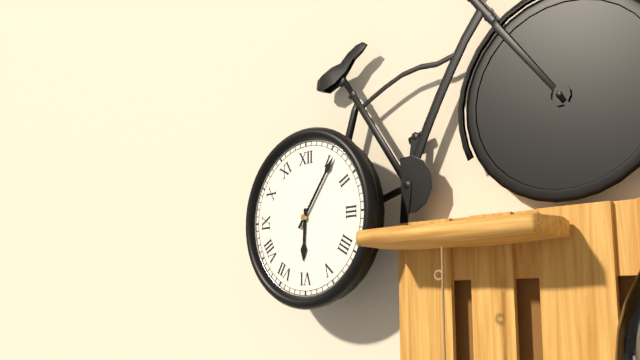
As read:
6,06
